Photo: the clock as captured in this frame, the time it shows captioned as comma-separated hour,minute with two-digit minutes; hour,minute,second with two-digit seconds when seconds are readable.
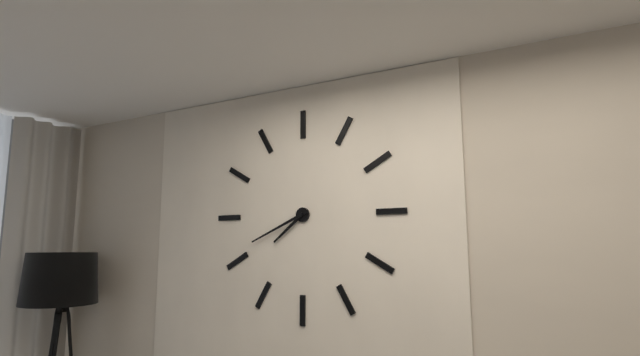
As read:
7,41
